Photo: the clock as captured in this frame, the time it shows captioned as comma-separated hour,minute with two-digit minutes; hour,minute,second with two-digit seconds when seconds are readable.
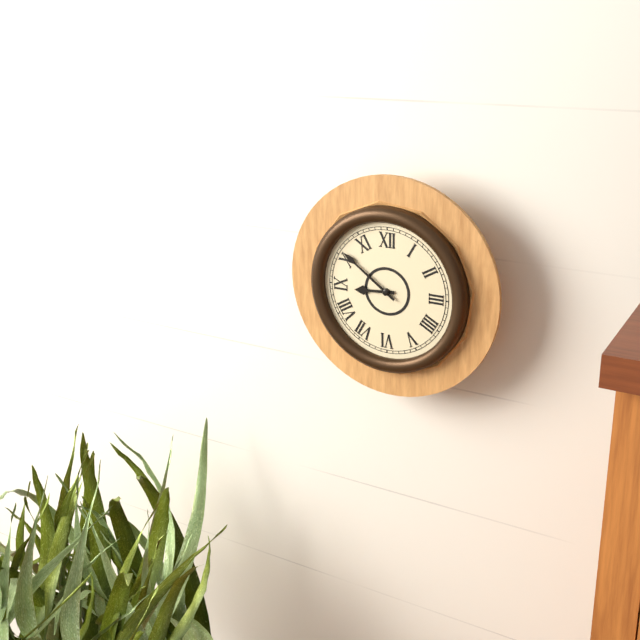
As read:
8,51
